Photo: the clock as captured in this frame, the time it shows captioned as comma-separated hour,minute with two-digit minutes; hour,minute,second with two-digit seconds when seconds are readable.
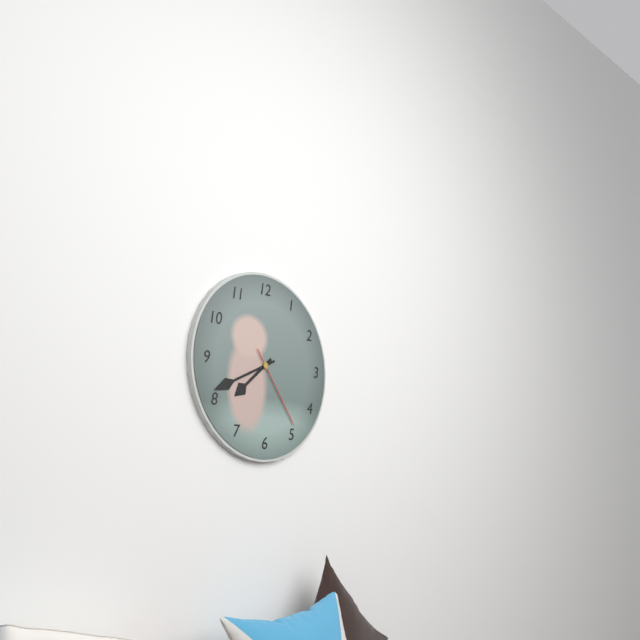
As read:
7,41,24
